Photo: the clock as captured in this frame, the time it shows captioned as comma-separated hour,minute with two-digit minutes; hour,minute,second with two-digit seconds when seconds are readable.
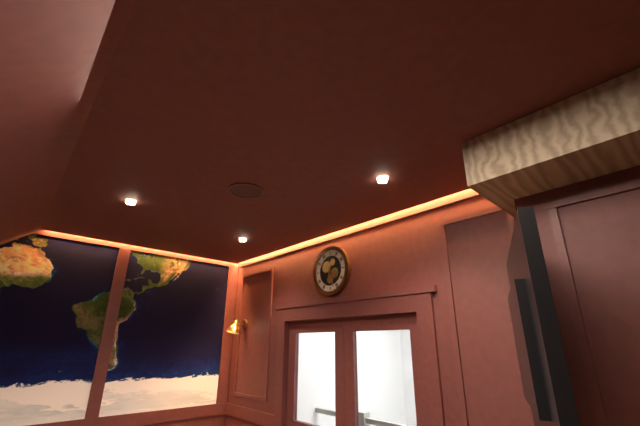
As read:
6,27
